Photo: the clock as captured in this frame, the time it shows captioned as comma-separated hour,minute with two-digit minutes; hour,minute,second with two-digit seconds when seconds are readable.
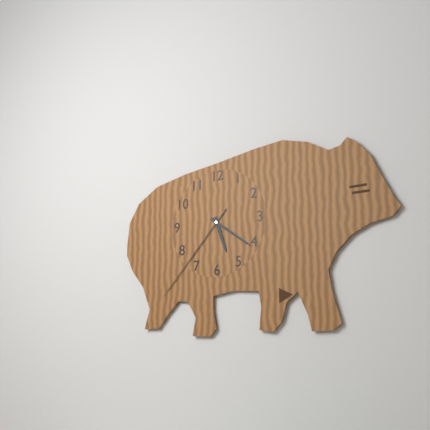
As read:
5,21,37
